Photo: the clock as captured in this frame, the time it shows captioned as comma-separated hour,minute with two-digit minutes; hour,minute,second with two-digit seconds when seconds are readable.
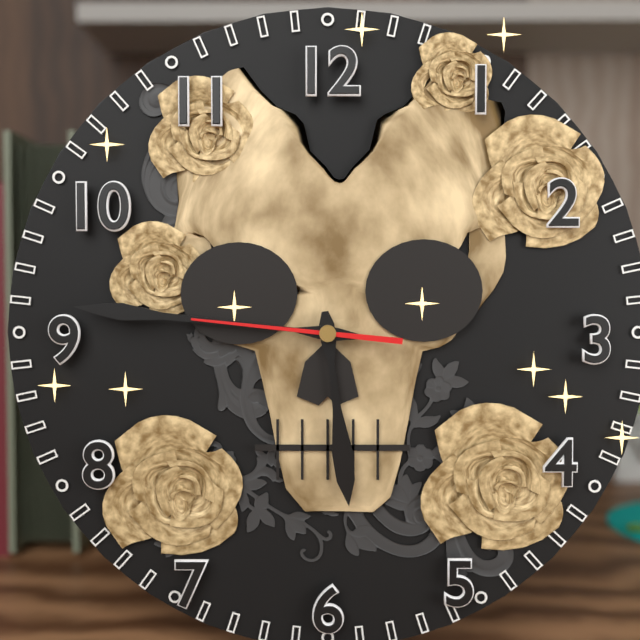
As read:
5,46,46
